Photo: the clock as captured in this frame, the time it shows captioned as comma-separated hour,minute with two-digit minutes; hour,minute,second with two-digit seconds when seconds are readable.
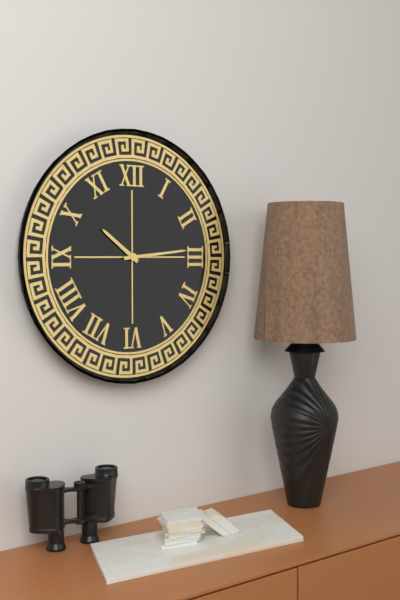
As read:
10,14
